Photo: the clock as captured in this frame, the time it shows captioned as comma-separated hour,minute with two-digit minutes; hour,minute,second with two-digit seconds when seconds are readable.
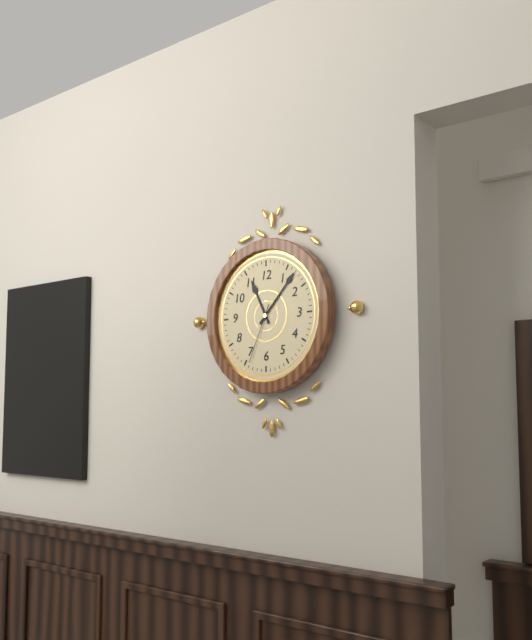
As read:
11,07,34
